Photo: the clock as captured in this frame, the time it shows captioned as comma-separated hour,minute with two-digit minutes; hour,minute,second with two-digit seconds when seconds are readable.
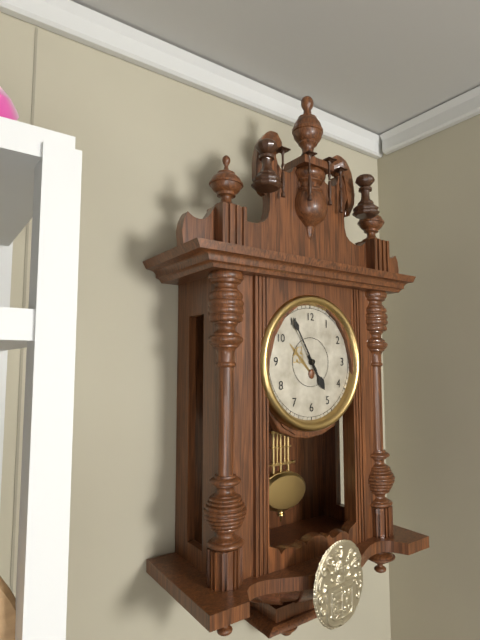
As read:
4,55
